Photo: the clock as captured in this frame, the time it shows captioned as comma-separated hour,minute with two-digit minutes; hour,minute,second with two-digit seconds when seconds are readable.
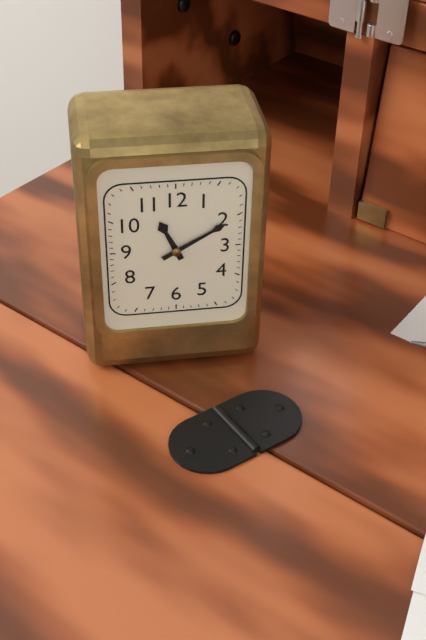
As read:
11,10
